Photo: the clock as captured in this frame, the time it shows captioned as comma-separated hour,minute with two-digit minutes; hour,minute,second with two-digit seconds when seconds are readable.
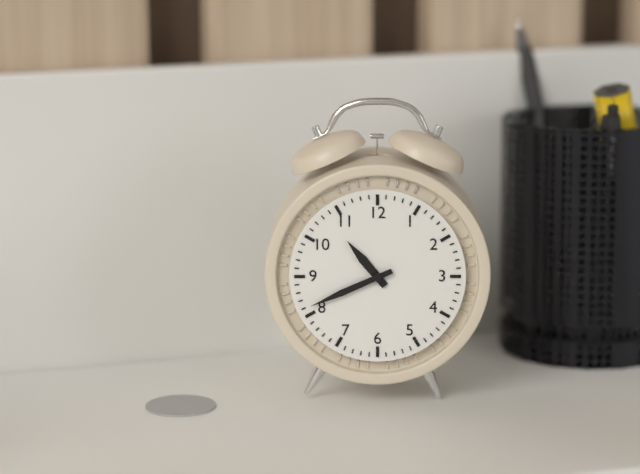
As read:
10,41
